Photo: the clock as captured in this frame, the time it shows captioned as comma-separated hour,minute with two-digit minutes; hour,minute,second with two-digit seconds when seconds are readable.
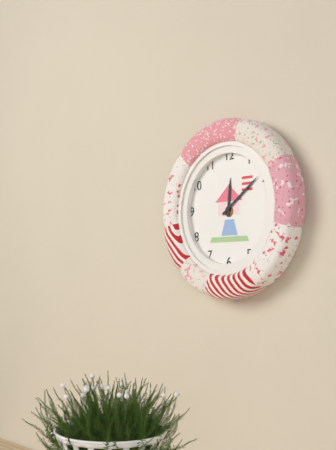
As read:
12,09
